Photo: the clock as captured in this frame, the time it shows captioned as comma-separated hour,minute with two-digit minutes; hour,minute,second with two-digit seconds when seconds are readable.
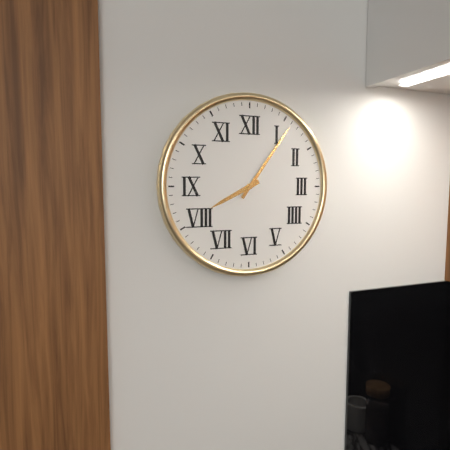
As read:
8,06
